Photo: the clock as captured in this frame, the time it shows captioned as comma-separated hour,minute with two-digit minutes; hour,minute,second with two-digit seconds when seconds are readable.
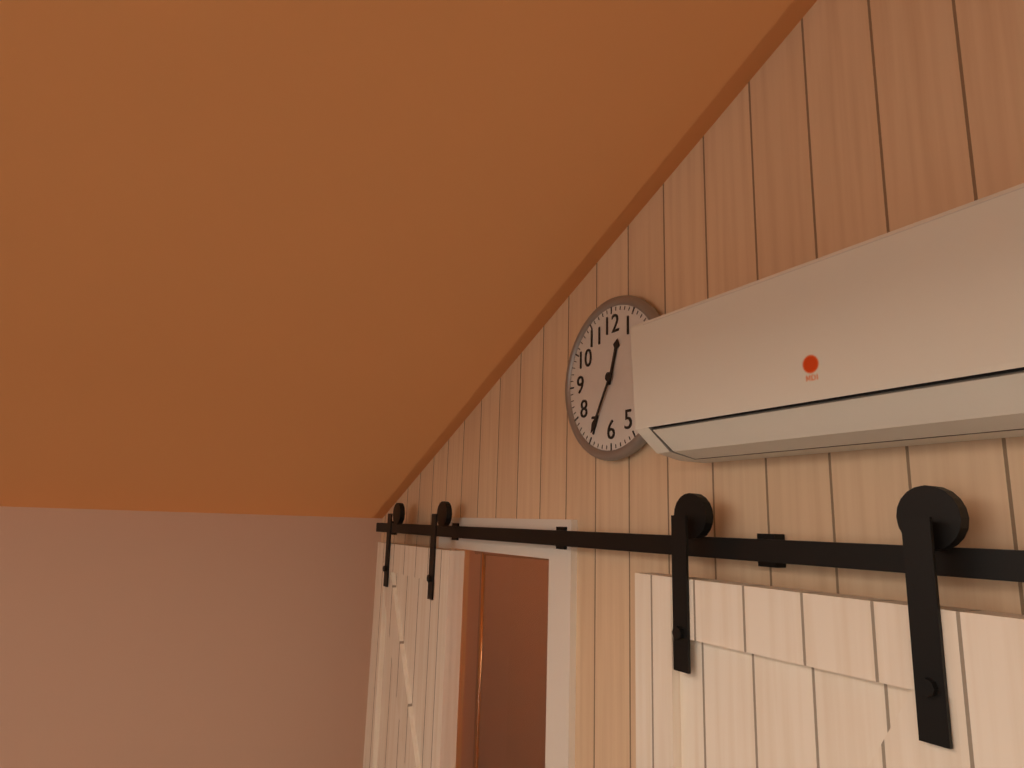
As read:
12,35
